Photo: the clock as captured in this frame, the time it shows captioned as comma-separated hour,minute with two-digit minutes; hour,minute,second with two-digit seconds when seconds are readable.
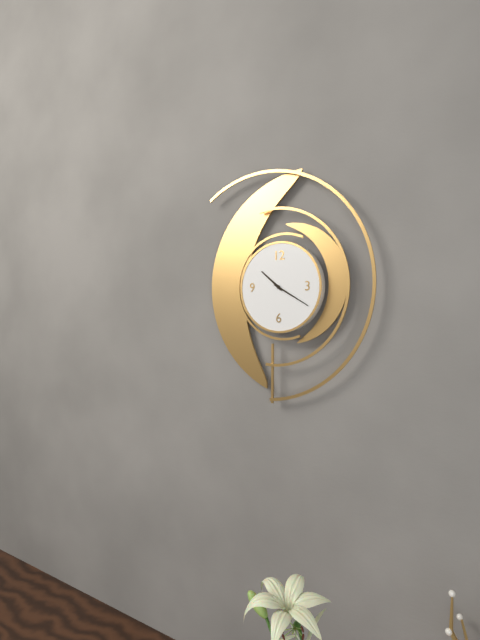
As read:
10,20
